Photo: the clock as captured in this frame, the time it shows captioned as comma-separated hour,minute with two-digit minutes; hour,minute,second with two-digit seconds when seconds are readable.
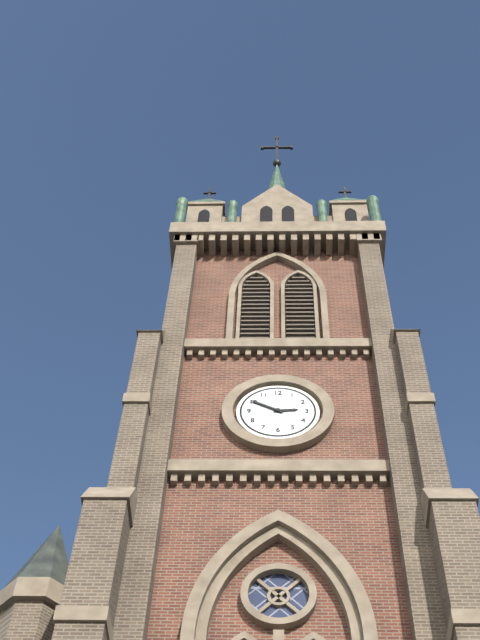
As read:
2,50
